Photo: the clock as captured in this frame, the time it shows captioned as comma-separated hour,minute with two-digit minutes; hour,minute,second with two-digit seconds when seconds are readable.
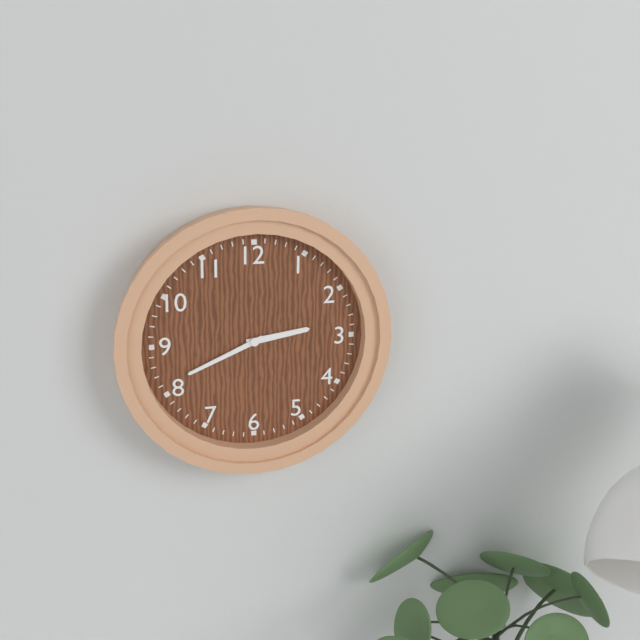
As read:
2,41
